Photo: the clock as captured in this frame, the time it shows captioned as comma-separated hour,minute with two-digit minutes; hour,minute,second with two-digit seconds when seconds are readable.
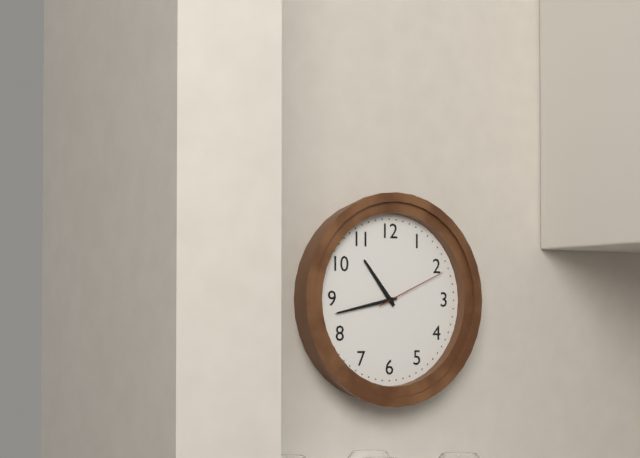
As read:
10,43,11
